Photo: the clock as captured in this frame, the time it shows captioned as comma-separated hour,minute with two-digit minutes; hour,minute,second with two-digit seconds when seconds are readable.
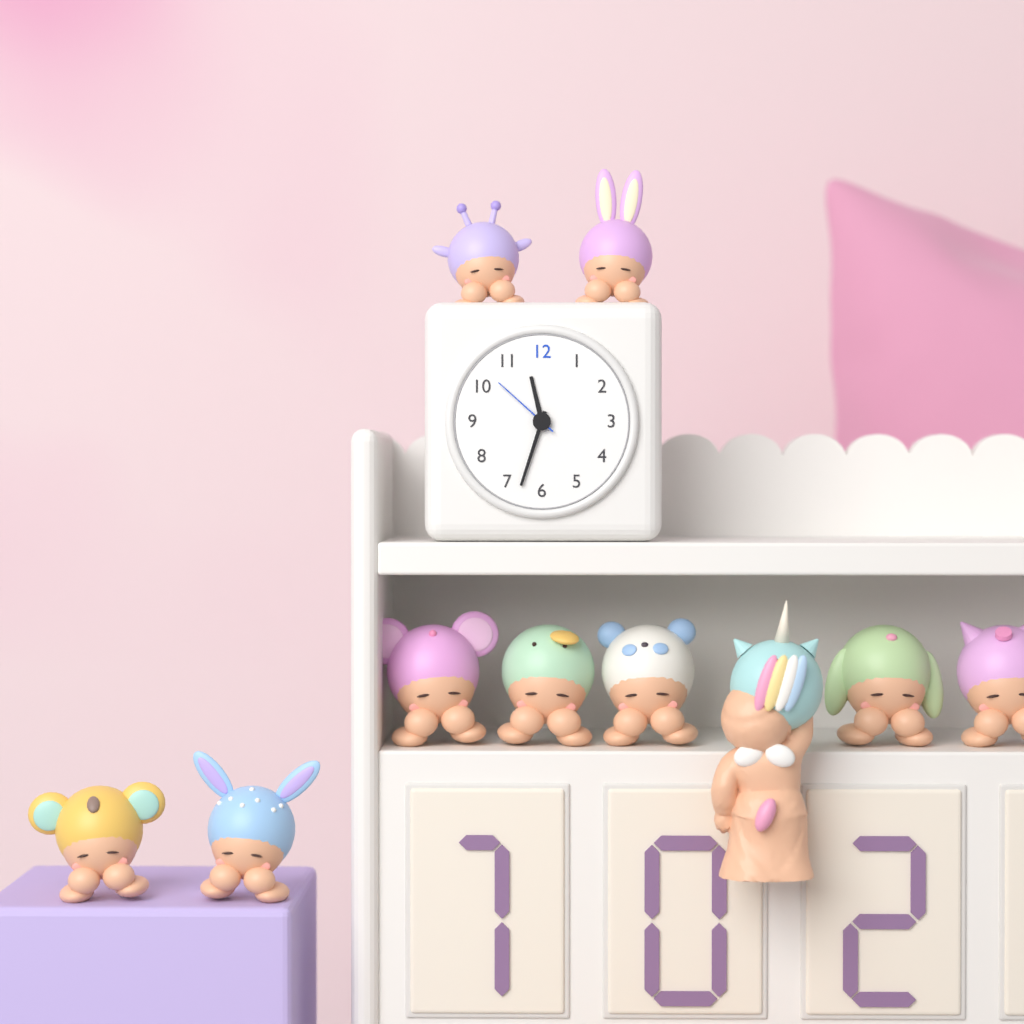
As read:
11,33,52
